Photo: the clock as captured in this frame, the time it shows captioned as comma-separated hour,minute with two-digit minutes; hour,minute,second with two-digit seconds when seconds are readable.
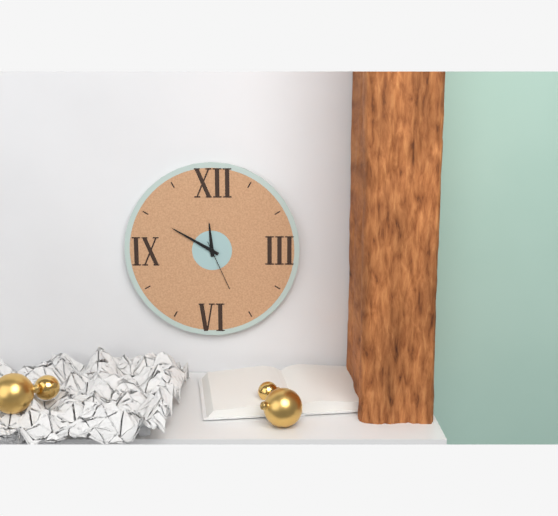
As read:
11,50,26
